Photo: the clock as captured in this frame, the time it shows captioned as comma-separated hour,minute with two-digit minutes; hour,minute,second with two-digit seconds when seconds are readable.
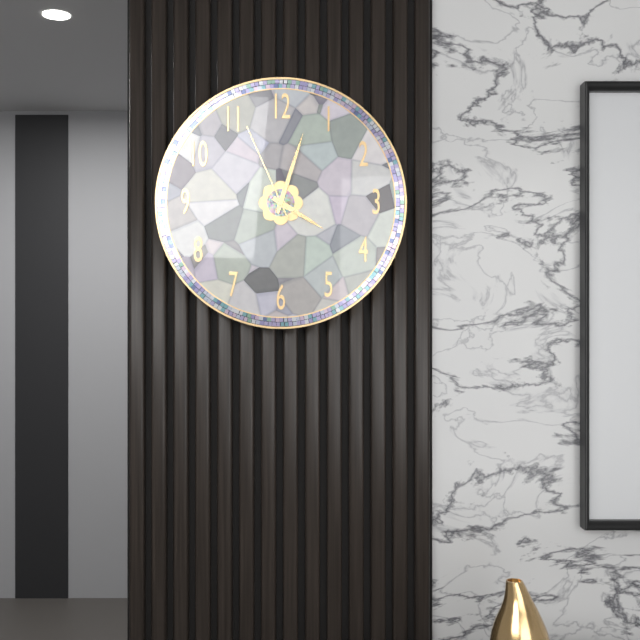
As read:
4,03,56
